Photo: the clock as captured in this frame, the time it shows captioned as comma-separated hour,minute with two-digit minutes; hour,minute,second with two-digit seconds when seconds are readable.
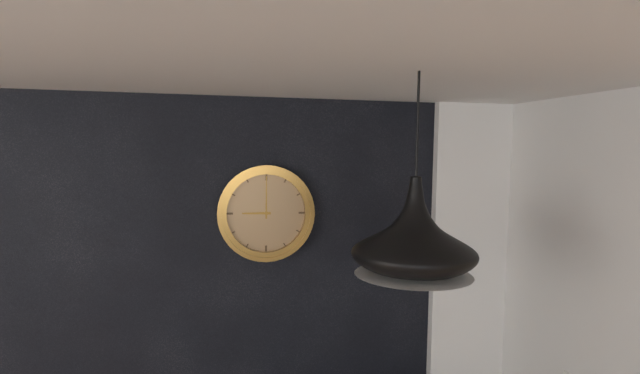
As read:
9,00
